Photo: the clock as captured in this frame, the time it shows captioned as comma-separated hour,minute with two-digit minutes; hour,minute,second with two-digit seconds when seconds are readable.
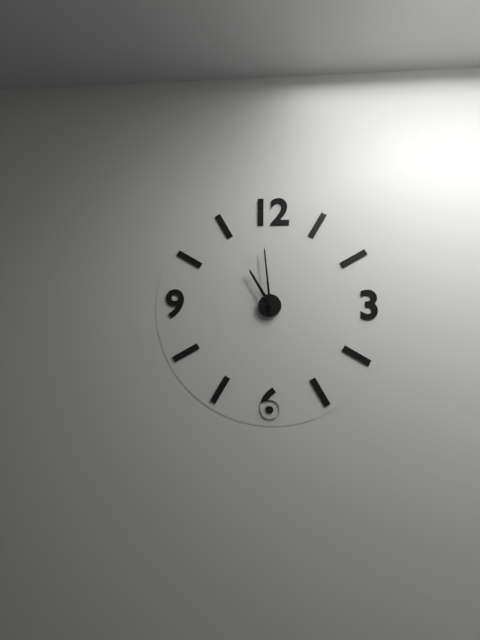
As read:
10,59
